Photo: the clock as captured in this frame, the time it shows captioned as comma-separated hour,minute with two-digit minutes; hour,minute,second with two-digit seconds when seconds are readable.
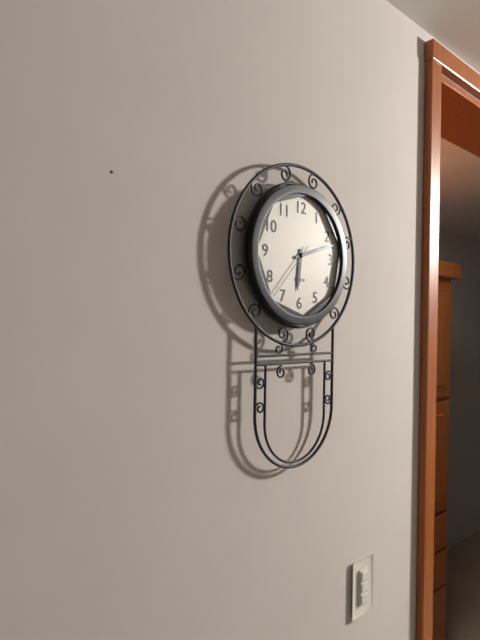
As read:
6,12,37
